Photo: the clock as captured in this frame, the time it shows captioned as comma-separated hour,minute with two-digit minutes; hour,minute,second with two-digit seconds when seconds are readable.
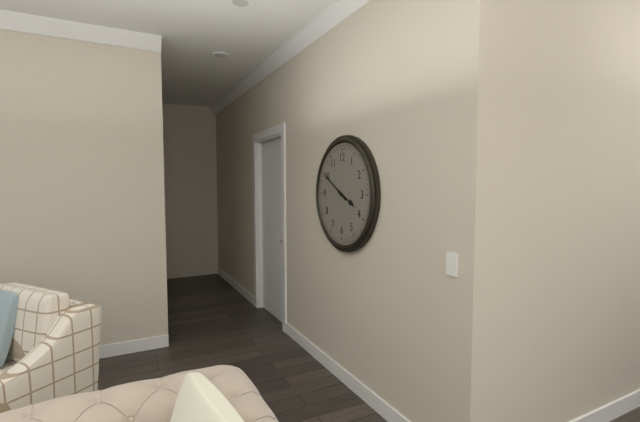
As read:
3,50
